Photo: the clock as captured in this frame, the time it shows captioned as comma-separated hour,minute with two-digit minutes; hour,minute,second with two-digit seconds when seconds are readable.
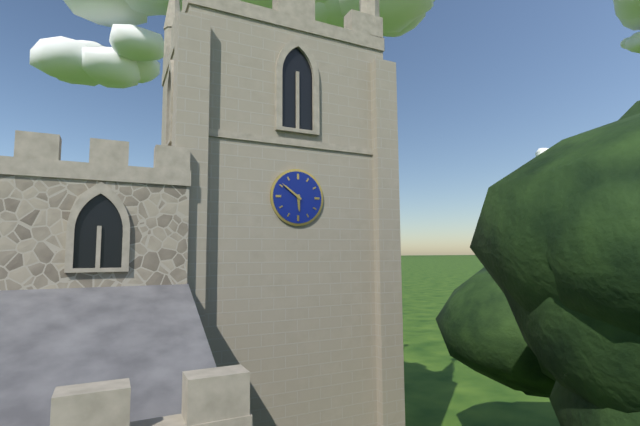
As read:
5,51
